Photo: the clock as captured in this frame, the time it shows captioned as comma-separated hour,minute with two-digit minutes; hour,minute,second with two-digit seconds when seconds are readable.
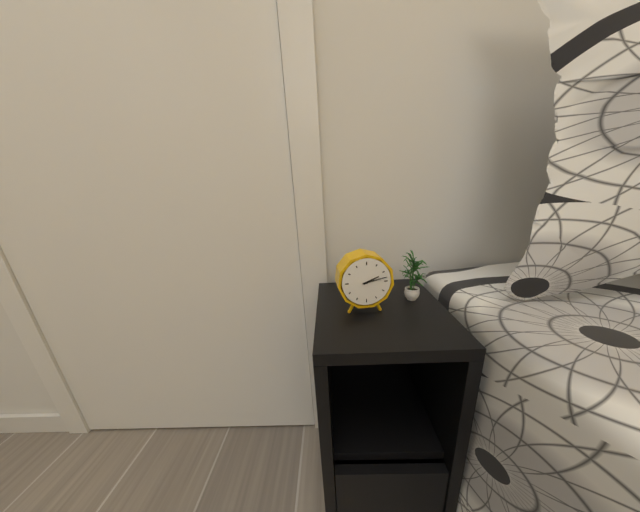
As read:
2,13
